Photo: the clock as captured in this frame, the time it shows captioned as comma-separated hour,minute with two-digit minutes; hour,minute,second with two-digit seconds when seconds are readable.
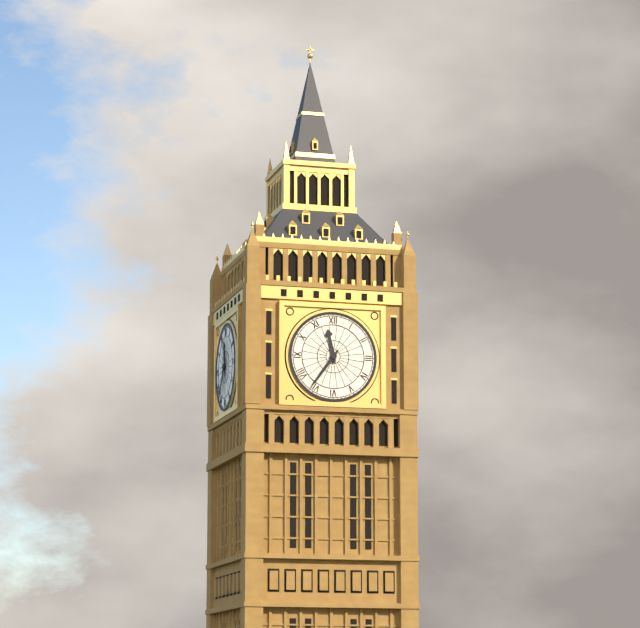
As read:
11,36
